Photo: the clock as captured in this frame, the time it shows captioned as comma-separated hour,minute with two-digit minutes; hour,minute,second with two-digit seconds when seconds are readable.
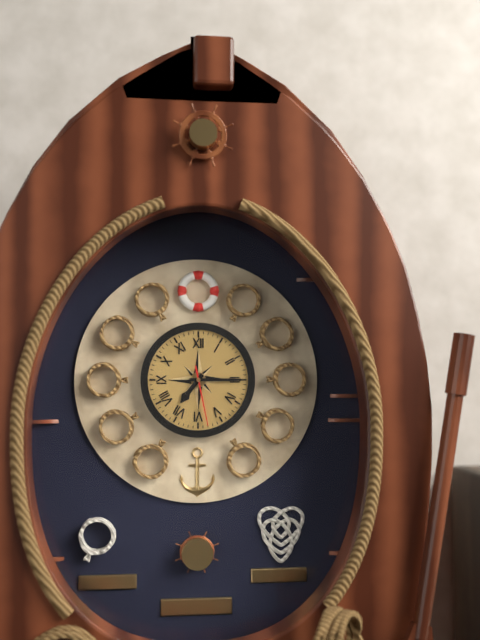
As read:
7,15,28
